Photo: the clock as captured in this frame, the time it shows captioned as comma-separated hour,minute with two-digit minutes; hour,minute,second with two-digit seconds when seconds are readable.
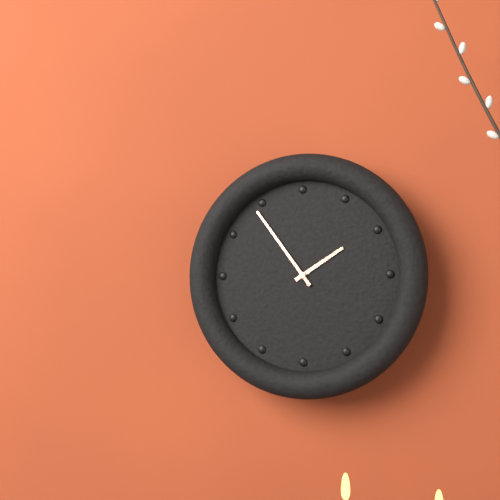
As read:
1,54
